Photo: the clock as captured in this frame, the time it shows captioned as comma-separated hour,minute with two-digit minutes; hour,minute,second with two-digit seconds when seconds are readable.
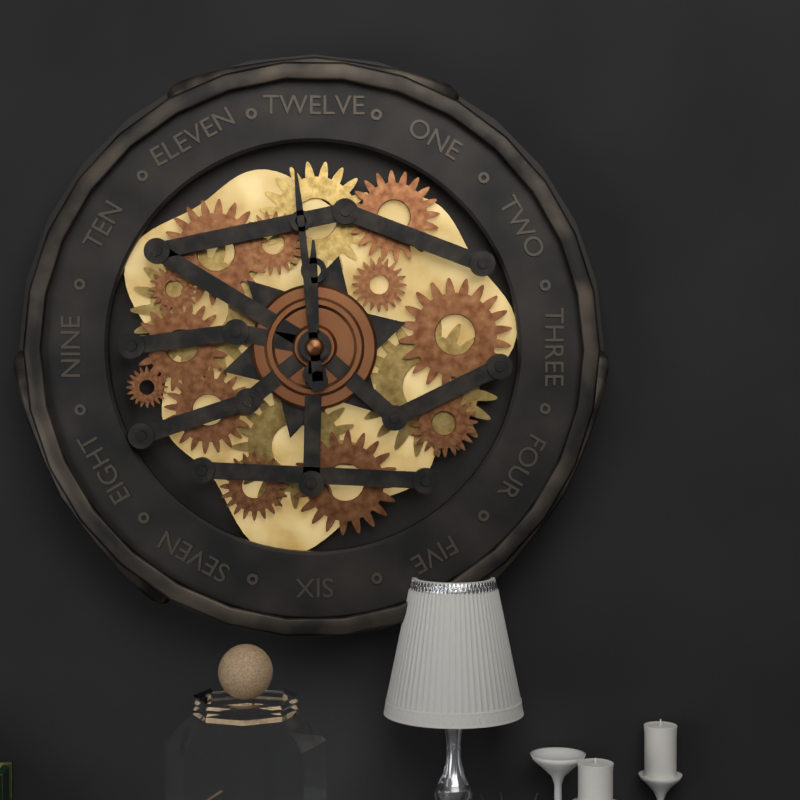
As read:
11,59
